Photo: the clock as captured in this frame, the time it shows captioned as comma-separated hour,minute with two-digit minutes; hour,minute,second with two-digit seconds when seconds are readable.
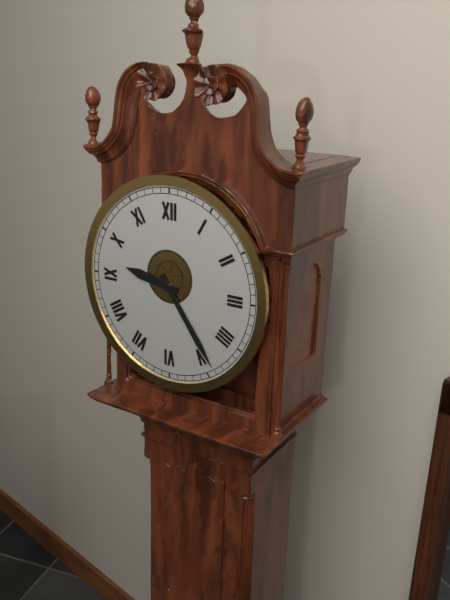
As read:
9,24
